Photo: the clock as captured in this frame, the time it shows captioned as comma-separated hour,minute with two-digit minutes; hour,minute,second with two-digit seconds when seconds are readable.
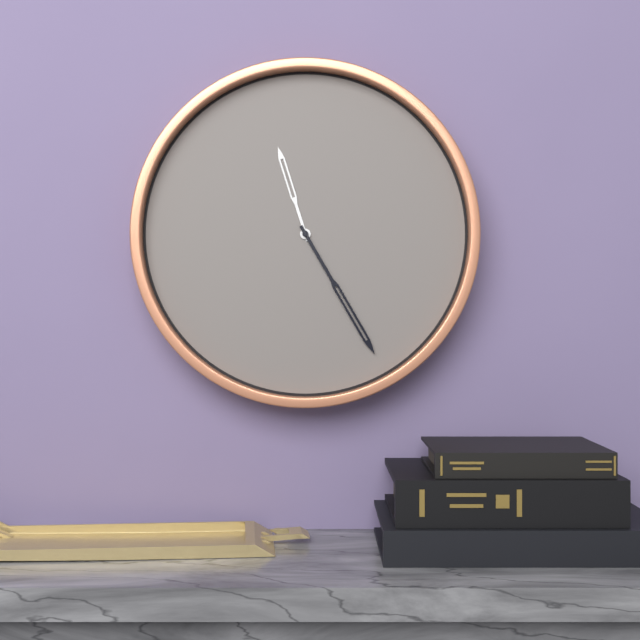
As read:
11,25
